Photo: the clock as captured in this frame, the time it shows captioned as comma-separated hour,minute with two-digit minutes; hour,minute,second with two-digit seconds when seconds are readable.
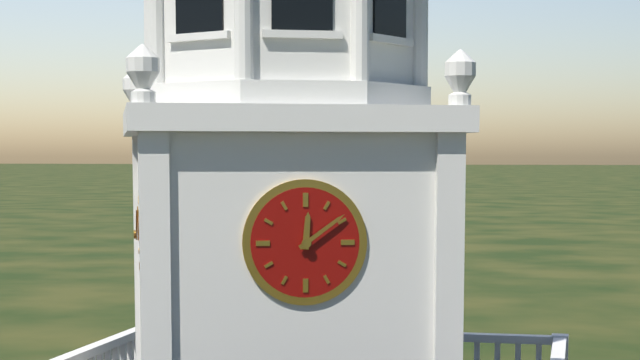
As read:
12,09
